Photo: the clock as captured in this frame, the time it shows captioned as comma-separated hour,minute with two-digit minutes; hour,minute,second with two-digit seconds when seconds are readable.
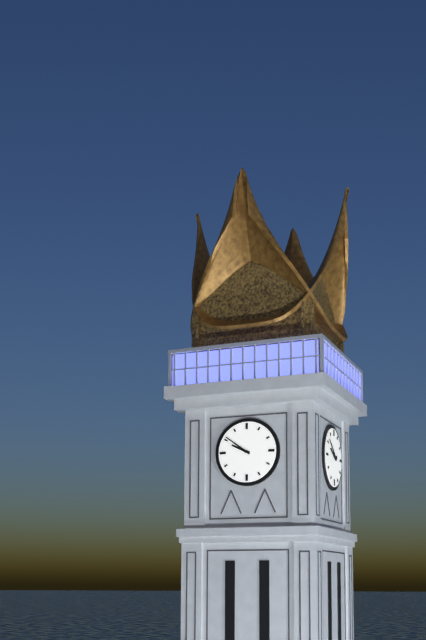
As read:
9,51
